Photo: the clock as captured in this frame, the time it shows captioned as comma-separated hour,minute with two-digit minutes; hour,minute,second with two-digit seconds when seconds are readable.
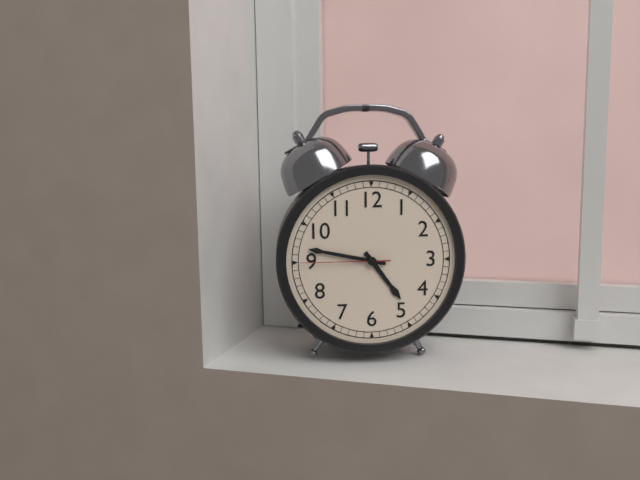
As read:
4,47,45
